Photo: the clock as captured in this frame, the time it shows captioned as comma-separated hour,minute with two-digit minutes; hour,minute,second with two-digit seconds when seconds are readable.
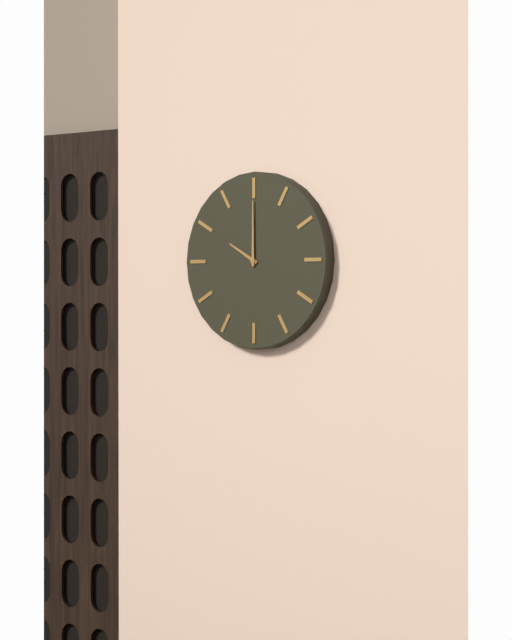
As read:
10,00
